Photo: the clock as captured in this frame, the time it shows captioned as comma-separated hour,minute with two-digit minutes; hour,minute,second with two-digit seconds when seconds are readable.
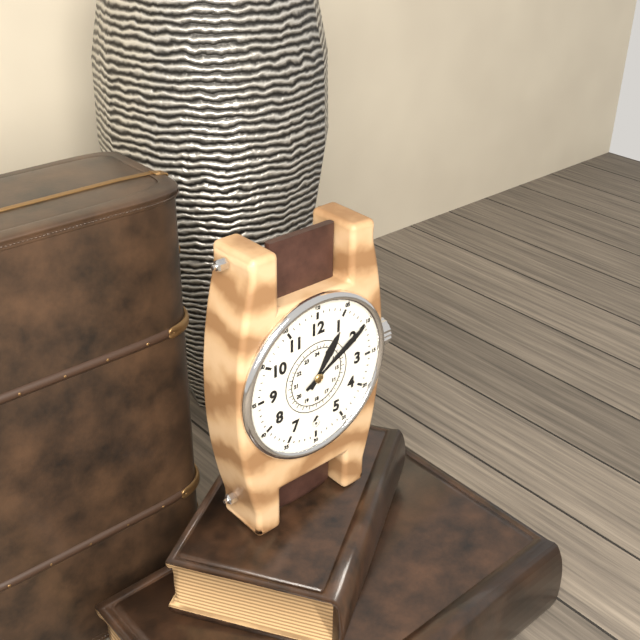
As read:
1,10
